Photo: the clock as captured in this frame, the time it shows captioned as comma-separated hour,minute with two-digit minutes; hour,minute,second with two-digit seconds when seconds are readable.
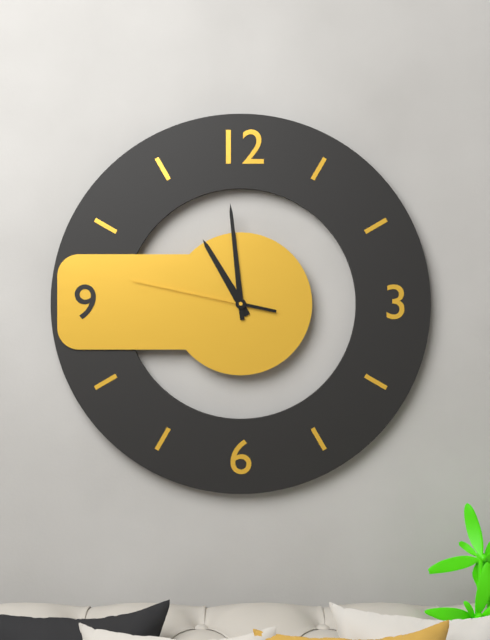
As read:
10,59,47
